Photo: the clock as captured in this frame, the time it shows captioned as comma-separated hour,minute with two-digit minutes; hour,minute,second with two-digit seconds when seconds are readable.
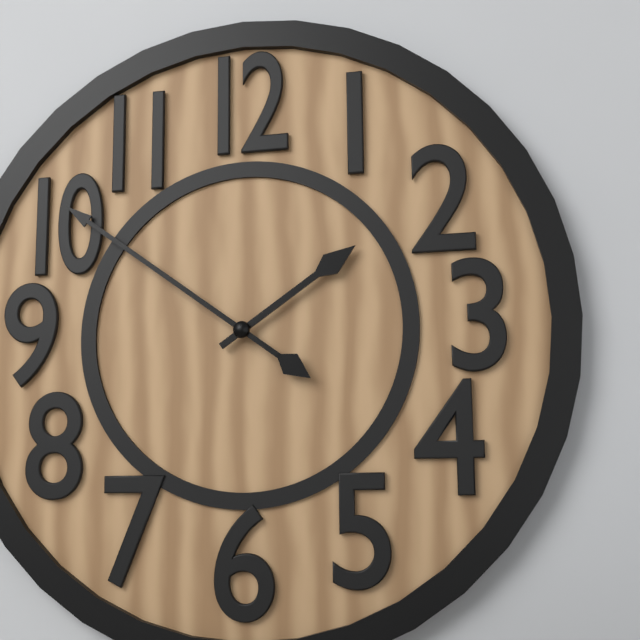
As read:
1,51
